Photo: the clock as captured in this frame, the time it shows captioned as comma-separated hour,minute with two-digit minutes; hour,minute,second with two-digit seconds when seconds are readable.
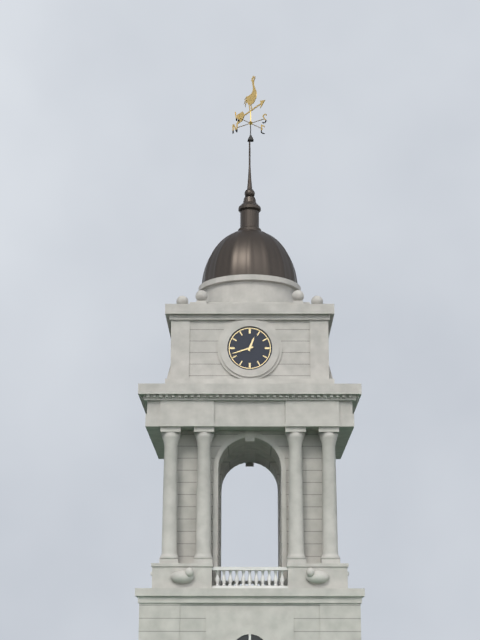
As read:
12,42
